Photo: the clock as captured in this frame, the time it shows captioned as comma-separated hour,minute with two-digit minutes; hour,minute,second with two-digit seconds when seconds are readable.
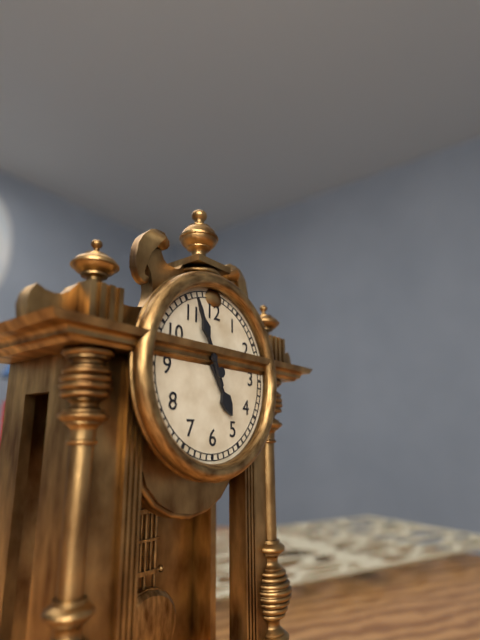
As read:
4,56
